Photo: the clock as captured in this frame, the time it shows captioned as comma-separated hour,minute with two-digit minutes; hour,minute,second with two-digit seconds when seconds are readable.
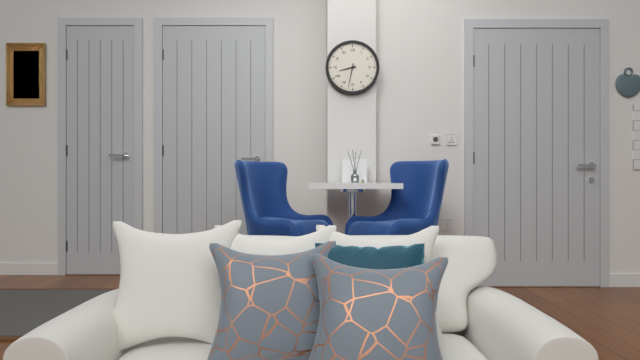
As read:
8,32
